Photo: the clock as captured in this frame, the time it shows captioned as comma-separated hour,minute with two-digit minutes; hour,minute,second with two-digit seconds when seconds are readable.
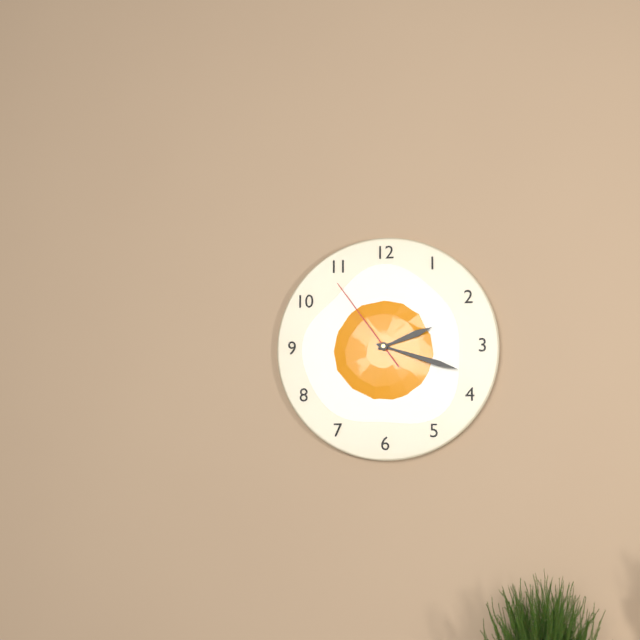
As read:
2,18,54
